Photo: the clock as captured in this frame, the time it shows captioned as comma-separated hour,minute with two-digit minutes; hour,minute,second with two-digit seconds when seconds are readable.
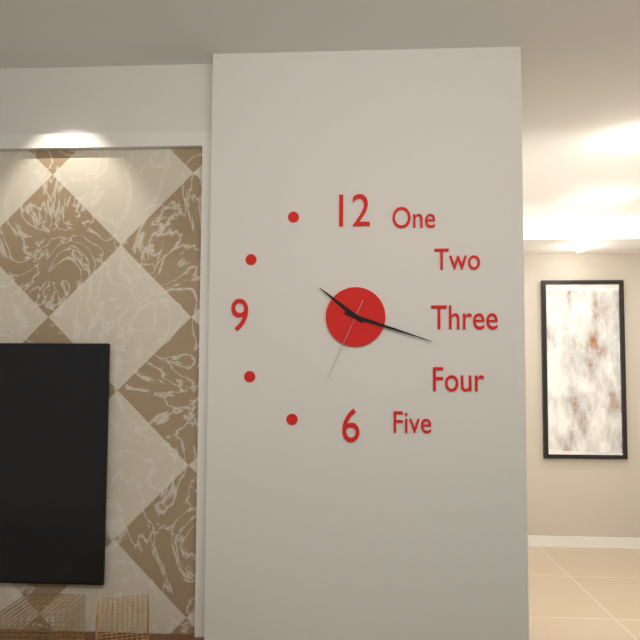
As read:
10,18,34
